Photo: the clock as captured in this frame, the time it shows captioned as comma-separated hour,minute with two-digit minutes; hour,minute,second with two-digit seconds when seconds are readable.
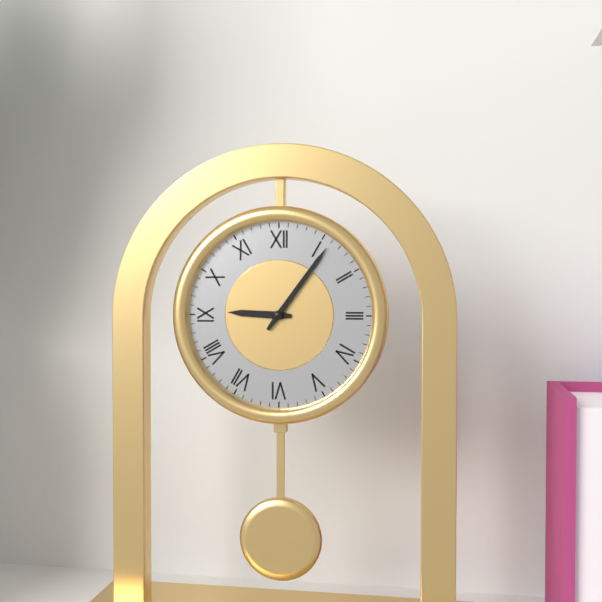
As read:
9,06
